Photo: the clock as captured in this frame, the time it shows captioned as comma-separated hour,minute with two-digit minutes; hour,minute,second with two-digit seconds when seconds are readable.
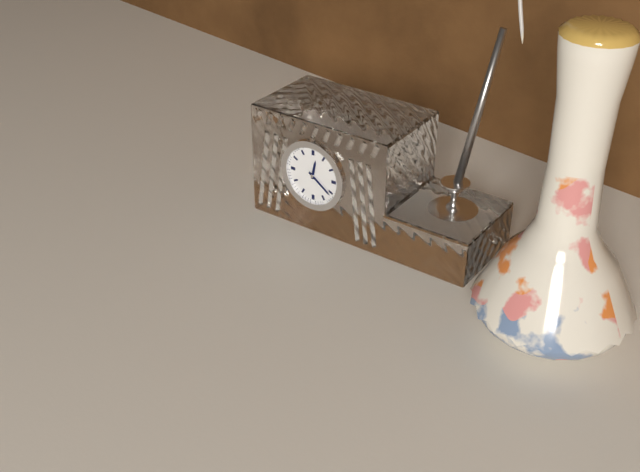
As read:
12,21
